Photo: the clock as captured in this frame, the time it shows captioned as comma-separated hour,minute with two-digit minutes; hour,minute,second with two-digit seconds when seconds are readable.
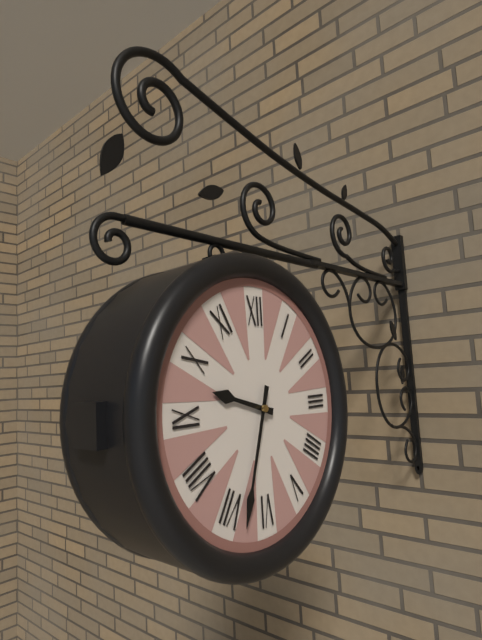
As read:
9,33
